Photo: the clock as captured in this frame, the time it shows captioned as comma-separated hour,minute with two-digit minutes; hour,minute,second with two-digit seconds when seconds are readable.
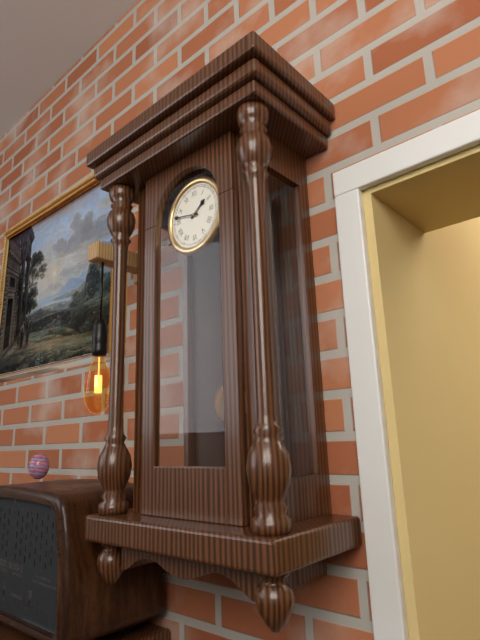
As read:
1,47
